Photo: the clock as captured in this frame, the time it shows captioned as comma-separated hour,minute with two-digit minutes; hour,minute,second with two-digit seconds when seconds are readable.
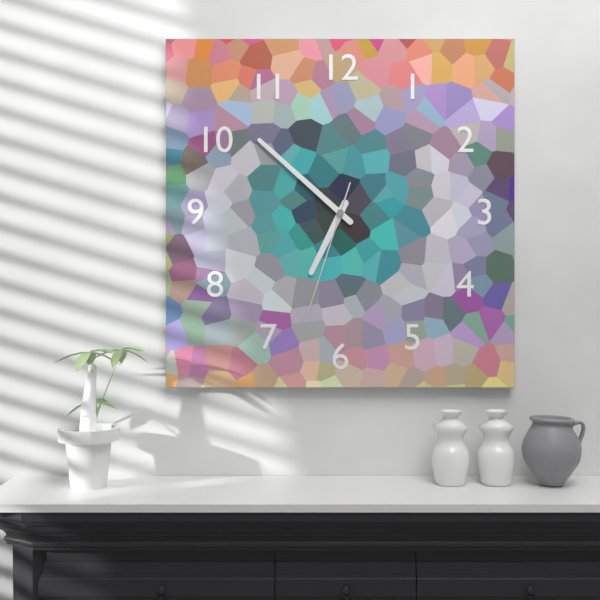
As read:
6,52,33
